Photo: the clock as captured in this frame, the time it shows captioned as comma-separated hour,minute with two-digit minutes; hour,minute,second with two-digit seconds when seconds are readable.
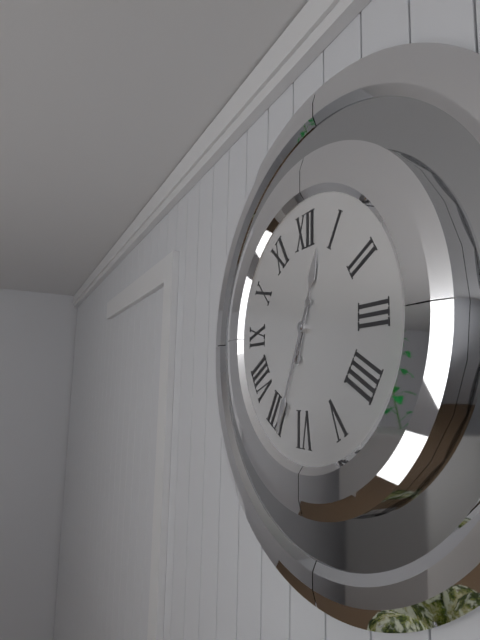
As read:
12,34
